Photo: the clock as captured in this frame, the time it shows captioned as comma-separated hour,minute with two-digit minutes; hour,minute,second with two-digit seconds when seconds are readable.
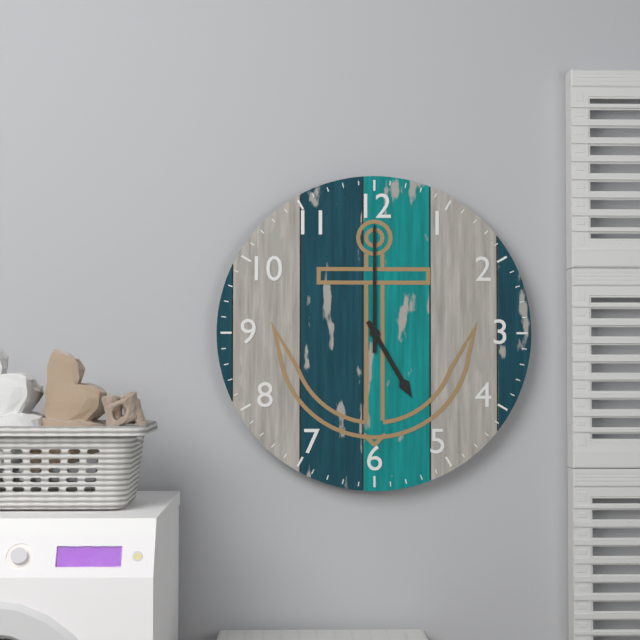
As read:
5,00
